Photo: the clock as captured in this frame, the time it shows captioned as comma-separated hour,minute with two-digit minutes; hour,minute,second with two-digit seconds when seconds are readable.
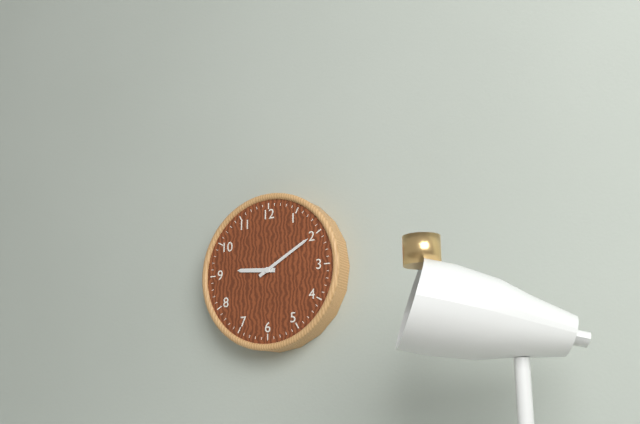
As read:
9,10
